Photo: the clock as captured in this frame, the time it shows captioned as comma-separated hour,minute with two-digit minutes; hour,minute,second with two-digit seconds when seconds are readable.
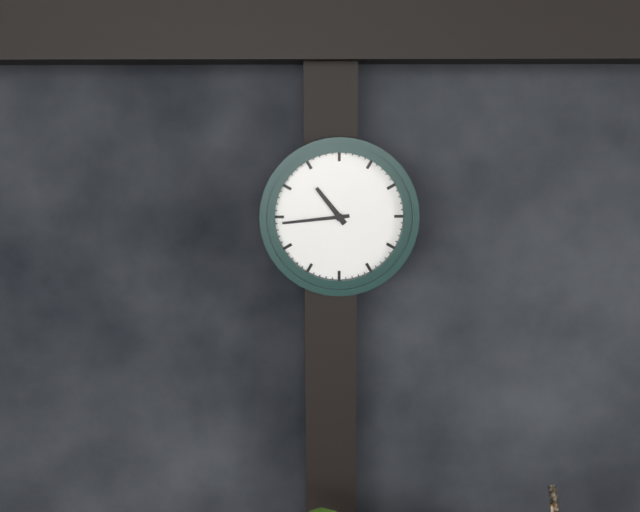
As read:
10,44
